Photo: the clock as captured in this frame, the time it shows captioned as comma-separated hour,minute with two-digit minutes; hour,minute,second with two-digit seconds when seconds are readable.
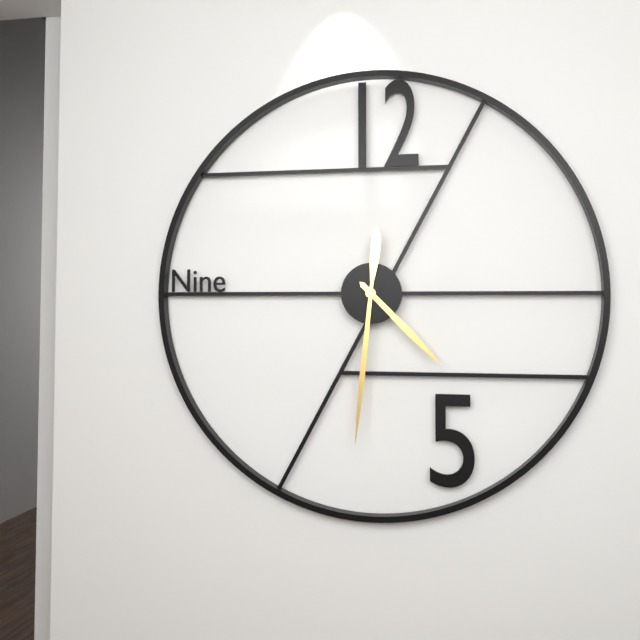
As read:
4,31
